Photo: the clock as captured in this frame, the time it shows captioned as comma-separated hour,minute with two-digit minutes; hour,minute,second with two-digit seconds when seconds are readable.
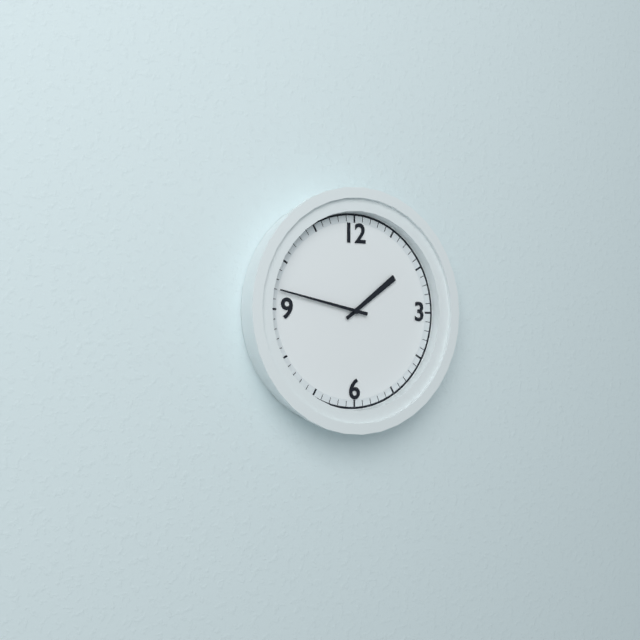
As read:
1,47
